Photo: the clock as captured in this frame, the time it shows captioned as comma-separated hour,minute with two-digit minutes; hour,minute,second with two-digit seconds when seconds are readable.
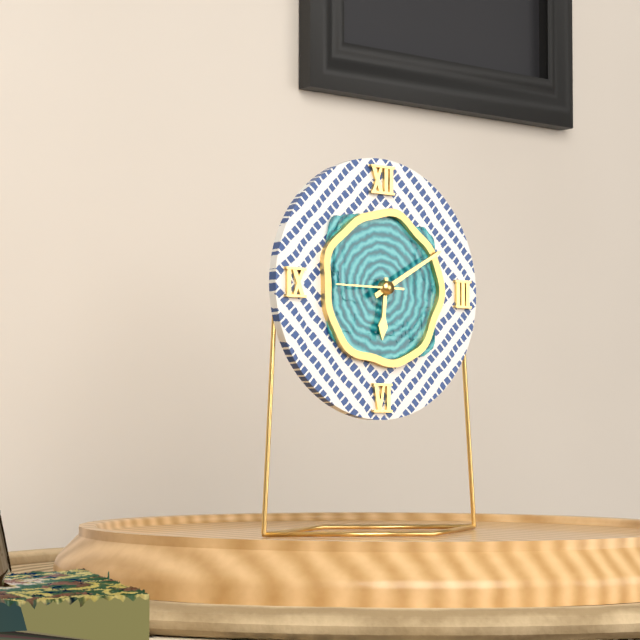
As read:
6,10,45
